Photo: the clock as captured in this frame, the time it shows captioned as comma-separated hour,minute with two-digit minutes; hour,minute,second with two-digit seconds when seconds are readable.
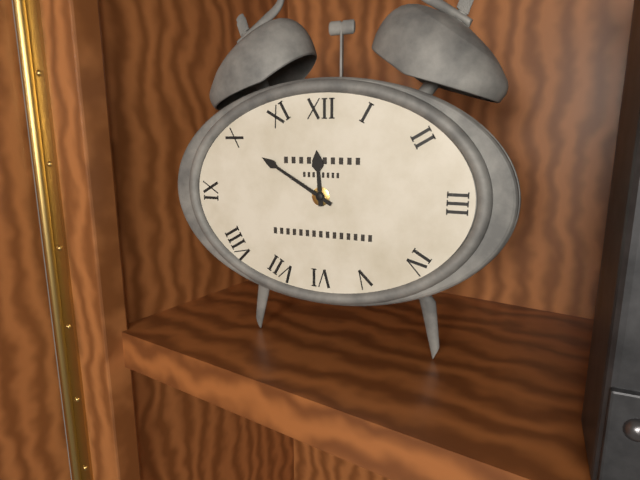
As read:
11,50
